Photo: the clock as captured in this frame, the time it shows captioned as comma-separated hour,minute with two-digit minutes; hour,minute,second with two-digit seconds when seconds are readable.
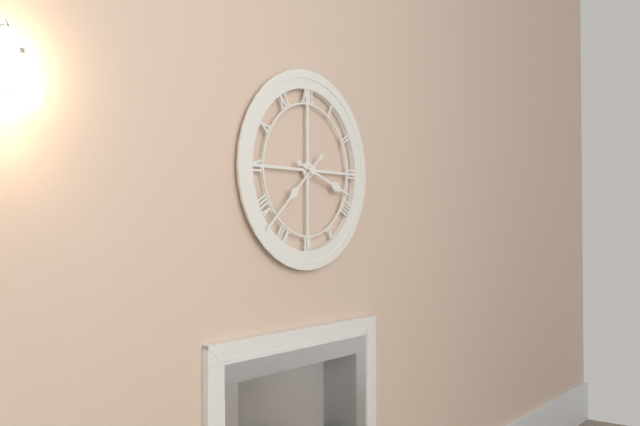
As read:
3,38
